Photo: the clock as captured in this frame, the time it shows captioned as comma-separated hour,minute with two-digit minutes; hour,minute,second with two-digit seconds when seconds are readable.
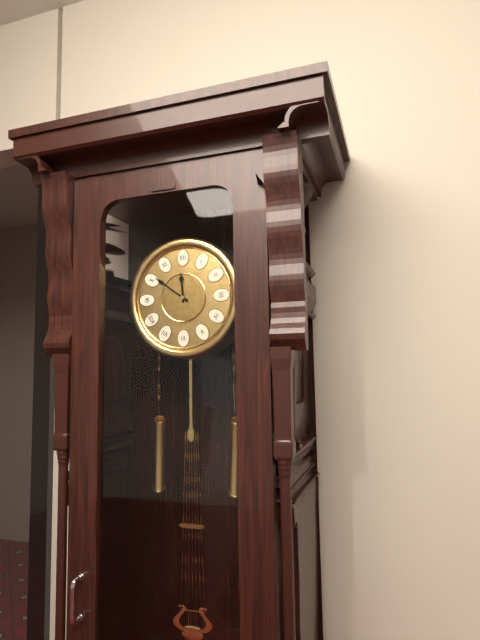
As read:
11,51
